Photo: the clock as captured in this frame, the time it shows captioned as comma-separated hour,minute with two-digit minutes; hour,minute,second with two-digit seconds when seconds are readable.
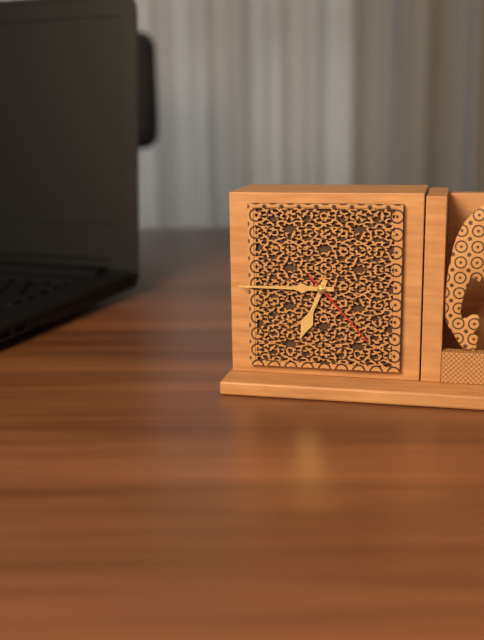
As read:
6,45,23
